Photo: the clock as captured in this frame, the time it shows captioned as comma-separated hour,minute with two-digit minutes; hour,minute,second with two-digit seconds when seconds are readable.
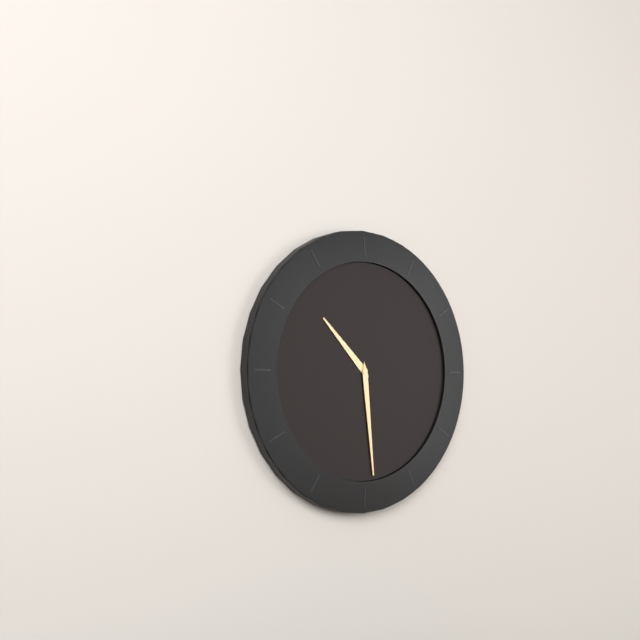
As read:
10,29
